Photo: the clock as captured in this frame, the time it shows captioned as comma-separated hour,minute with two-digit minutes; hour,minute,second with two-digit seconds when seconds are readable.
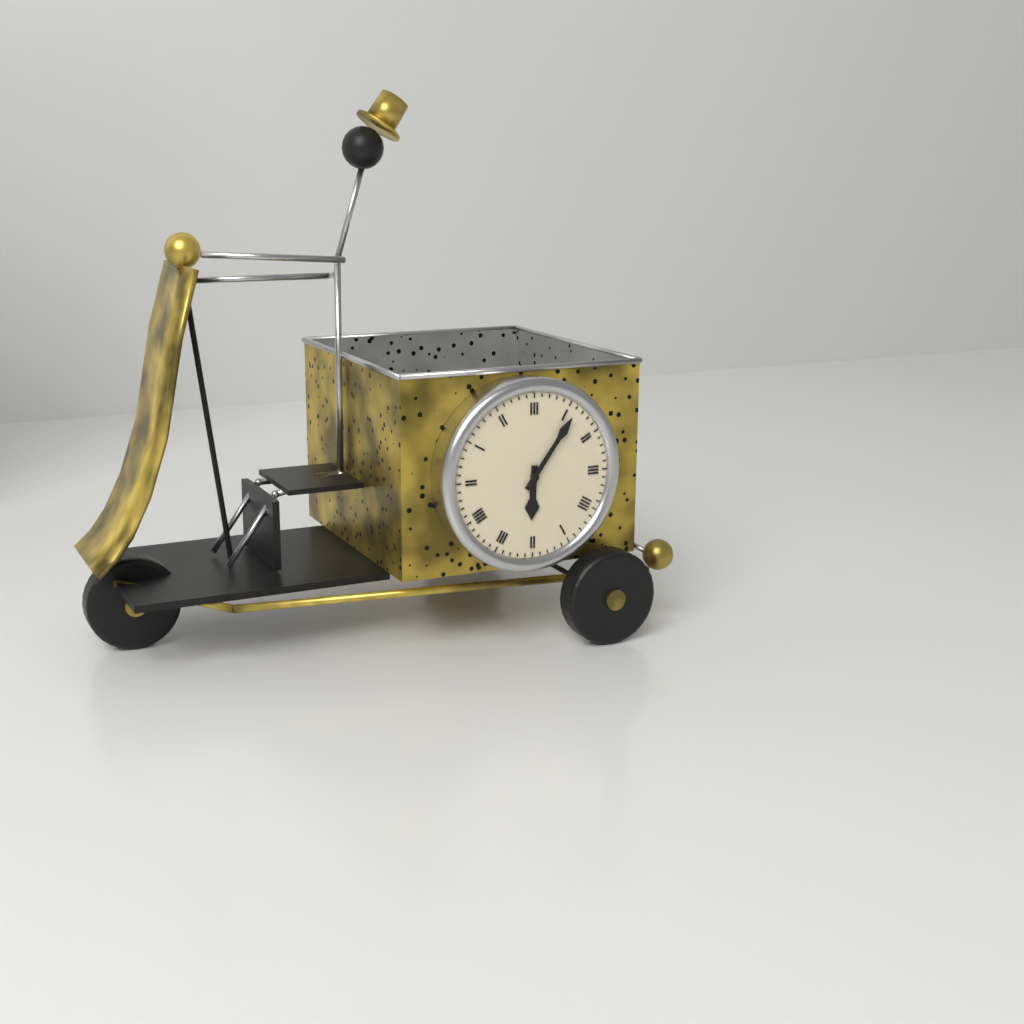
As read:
6,06
